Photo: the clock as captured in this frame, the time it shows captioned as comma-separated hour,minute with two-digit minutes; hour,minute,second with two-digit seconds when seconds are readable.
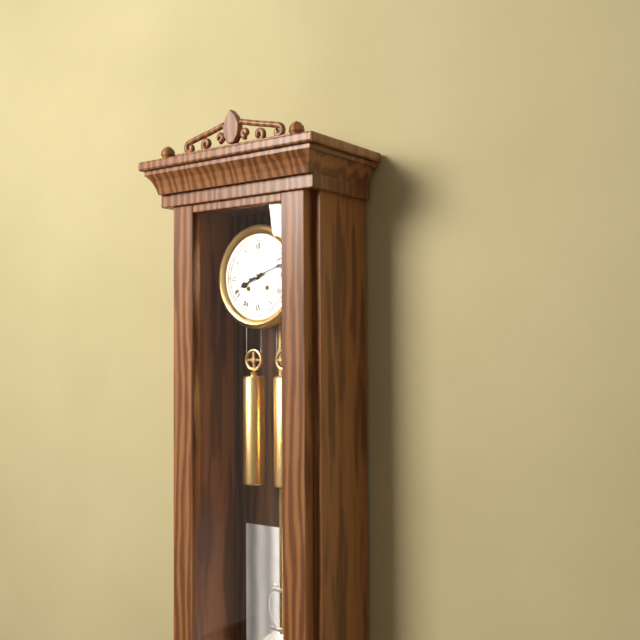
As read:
8,12
